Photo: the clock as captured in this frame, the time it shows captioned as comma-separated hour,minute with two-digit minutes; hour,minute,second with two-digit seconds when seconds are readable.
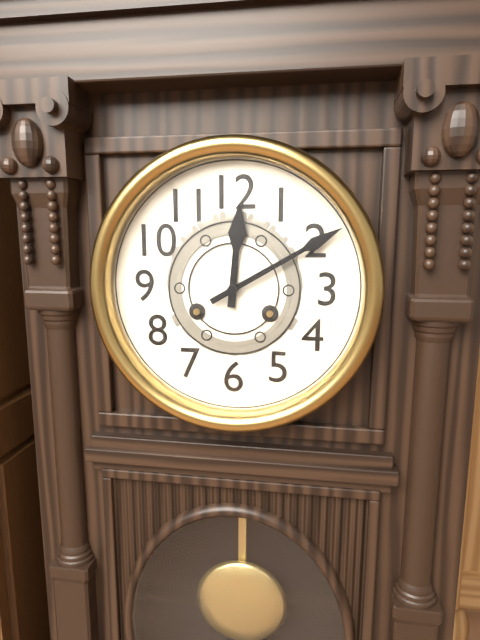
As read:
12,10
